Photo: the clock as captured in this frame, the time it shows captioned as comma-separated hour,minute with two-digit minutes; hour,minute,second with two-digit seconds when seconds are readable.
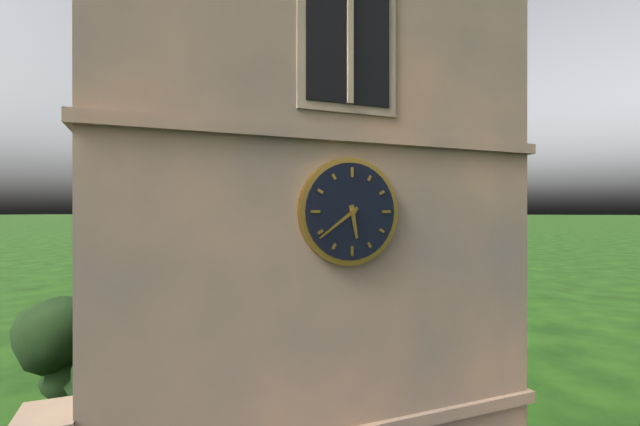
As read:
5,39
